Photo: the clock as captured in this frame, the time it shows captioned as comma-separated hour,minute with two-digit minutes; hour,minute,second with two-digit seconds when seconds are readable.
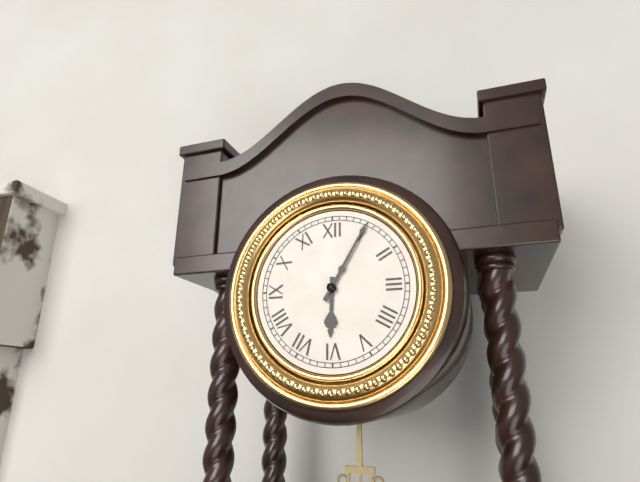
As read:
6,05
